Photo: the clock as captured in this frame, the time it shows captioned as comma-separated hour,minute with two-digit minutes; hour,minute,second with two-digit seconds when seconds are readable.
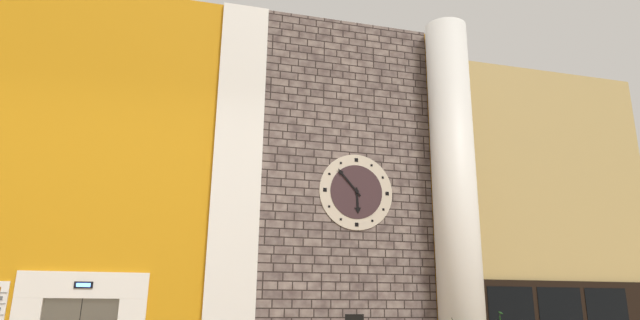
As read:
5,53
